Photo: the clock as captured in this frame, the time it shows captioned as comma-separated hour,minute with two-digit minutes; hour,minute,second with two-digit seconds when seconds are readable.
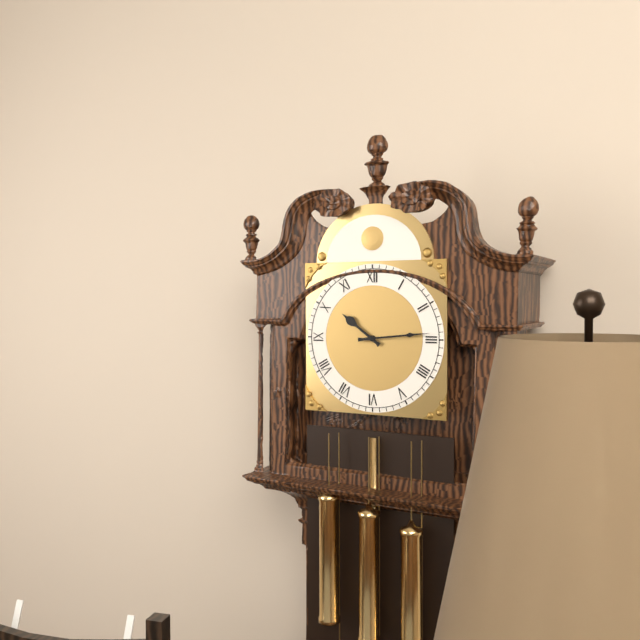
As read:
10,14
